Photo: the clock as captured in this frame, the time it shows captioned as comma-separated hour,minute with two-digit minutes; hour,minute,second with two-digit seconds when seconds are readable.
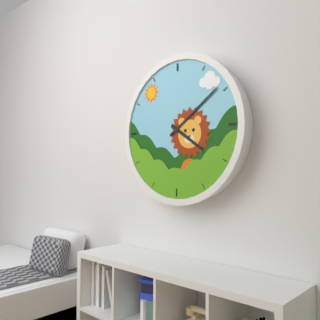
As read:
4,09
